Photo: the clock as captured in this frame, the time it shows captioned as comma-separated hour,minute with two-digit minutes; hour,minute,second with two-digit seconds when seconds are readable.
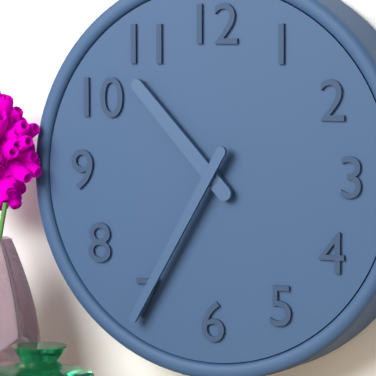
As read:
10,35
